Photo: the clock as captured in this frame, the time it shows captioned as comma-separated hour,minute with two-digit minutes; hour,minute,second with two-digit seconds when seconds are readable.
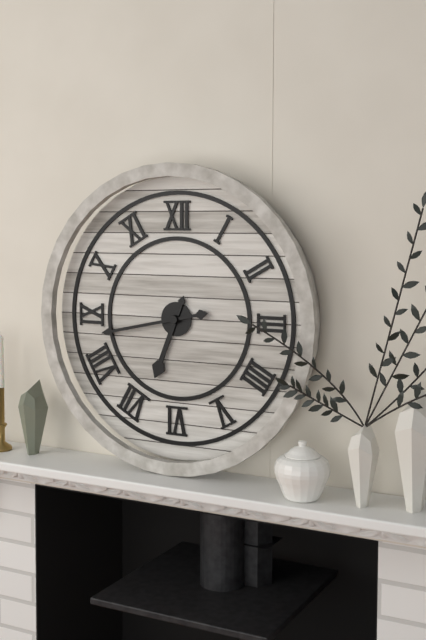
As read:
6,43
